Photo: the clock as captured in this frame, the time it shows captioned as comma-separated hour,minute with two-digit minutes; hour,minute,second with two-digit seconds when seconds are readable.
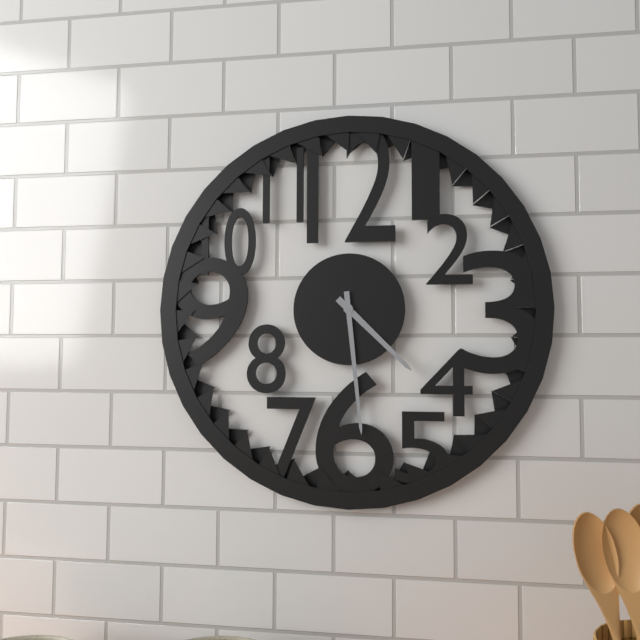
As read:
4,29
